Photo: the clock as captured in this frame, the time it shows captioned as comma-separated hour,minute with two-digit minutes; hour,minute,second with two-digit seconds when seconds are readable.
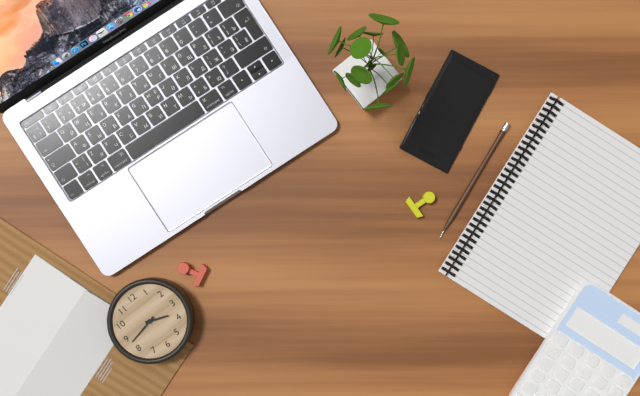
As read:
3,43
